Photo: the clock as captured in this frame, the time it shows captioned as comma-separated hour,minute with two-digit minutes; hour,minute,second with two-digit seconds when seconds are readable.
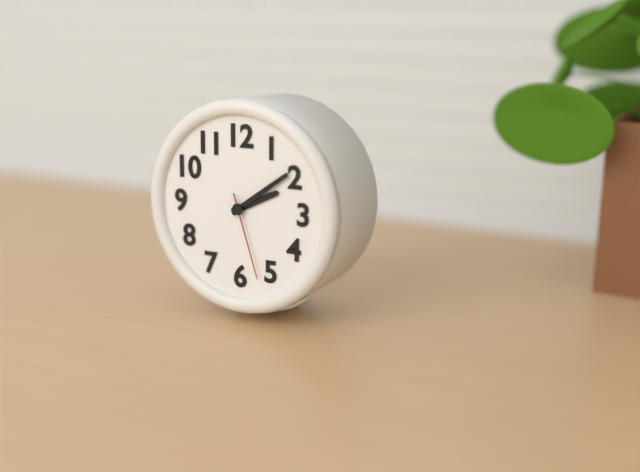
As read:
2,09,27
